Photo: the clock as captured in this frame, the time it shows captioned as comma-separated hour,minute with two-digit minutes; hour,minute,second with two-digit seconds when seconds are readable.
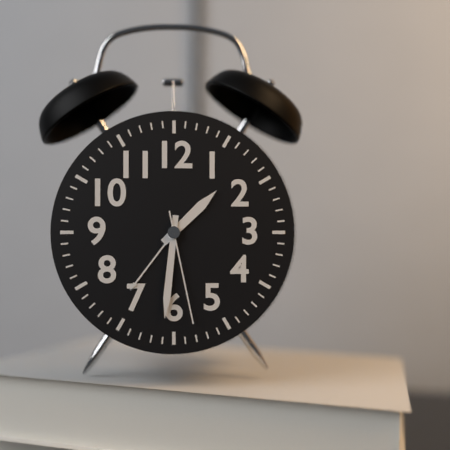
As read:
1,31,28
